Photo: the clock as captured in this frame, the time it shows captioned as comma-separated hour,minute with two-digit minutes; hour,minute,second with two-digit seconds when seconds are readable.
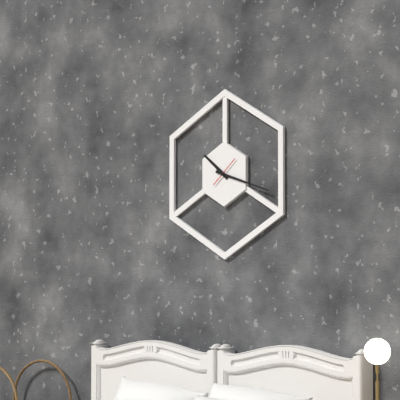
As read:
10,18
